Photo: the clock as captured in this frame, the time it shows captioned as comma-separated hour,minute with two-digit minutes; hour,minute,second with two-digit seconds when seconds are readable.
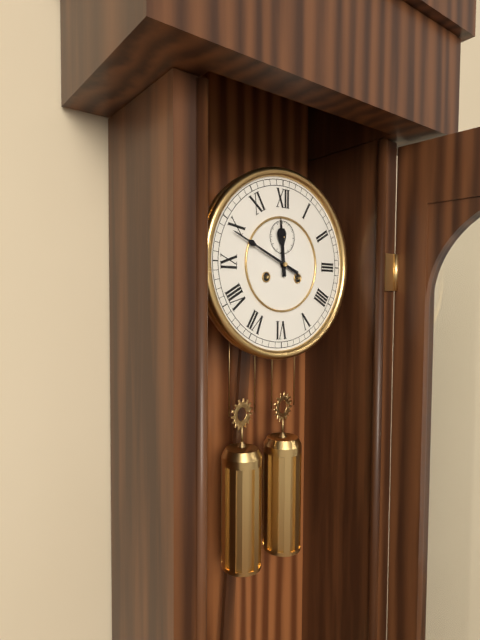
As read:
11,49
